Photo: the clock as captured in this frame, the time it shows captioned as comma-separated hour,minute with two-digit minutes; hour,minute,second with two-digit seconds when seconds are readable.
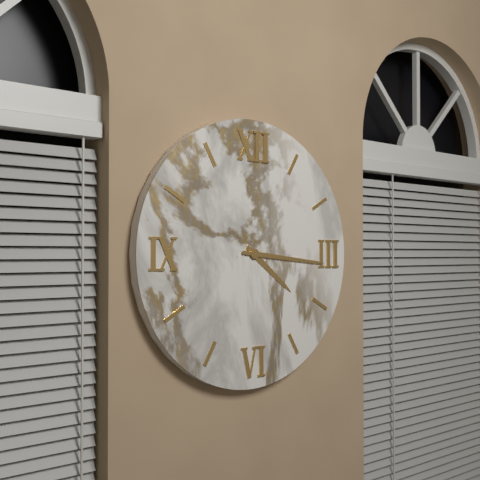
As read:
4,16
